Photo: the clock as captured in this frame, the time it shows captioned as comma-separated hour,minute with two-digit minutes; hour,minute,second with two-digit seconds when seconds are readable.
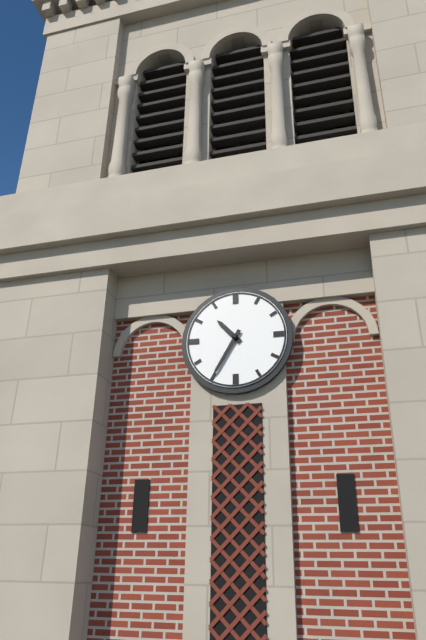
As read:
10,35
